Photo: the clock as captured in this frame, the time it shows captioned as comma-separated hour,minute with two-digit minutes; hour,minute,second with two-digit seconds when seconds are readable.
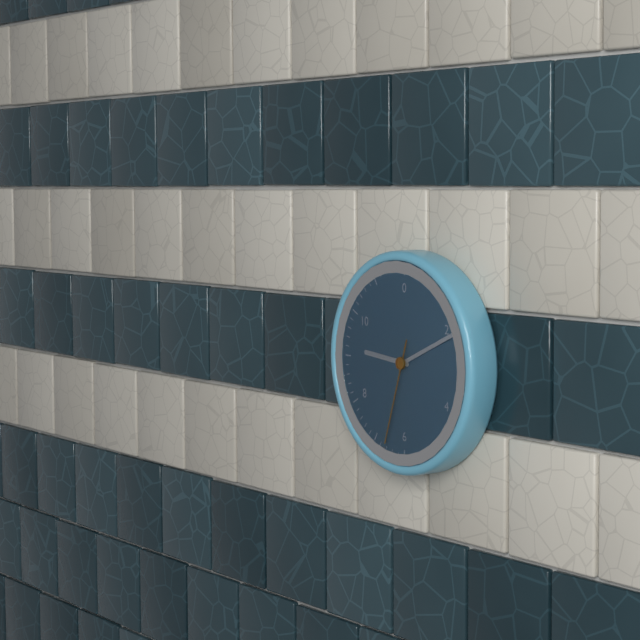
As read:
9,11,33
